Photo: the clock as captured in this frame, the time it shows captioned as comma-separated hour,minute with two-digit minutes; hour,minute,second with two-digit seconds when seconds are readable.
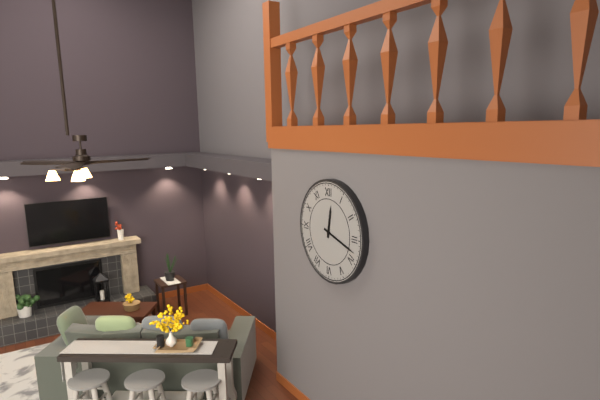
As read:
12,18
